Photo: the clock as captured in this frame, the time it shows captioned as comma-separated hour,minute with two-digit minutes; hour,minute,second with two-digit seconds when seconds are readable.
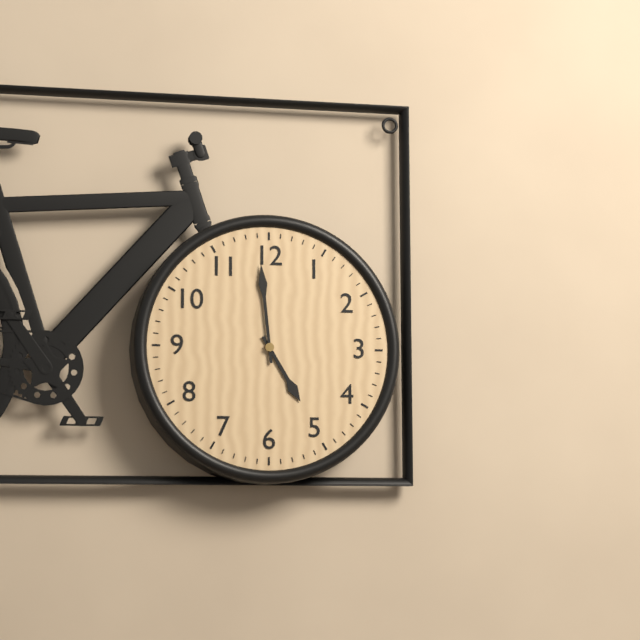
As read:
4,59
